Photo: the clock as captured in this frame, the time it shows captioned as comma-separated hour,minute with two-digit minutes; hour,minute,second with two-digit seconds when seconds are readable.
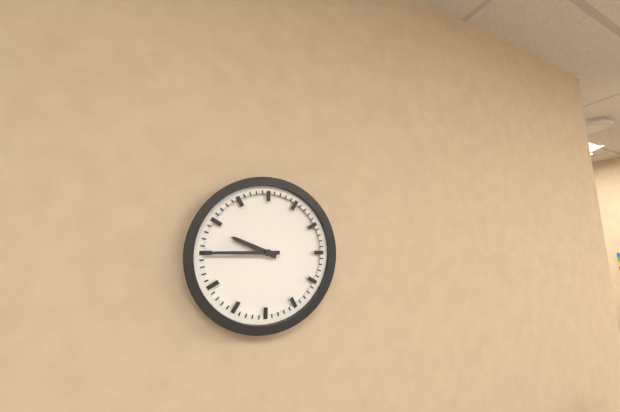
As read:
9,45
